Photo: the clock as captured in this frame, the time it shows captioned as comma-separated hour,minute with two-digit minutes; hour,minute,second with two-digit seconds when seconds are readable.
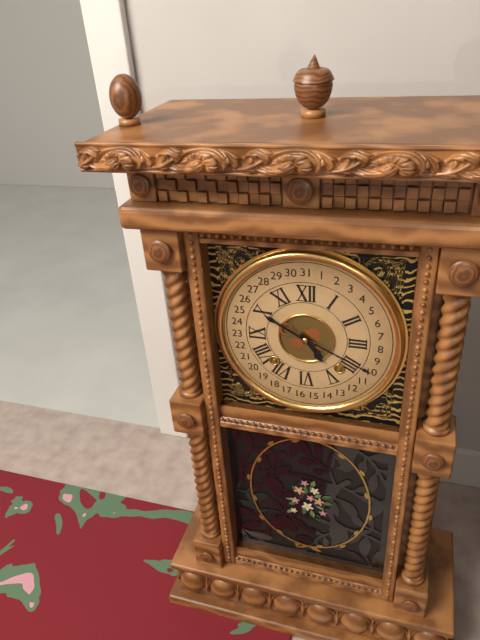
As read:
4,50
